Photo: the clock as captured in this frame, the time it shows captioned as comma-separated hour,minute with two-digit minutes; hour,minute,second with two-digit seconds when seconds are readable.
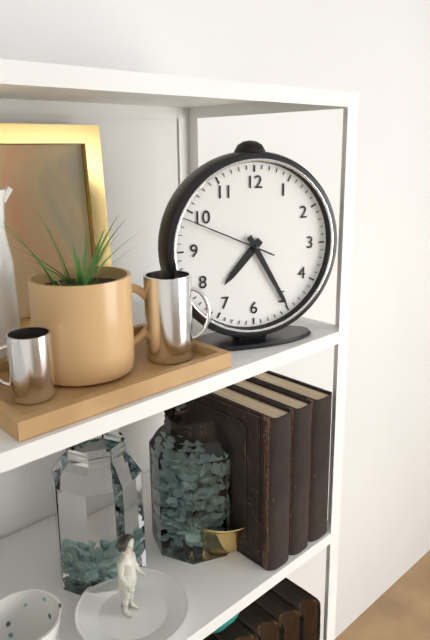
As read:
7,25,49
